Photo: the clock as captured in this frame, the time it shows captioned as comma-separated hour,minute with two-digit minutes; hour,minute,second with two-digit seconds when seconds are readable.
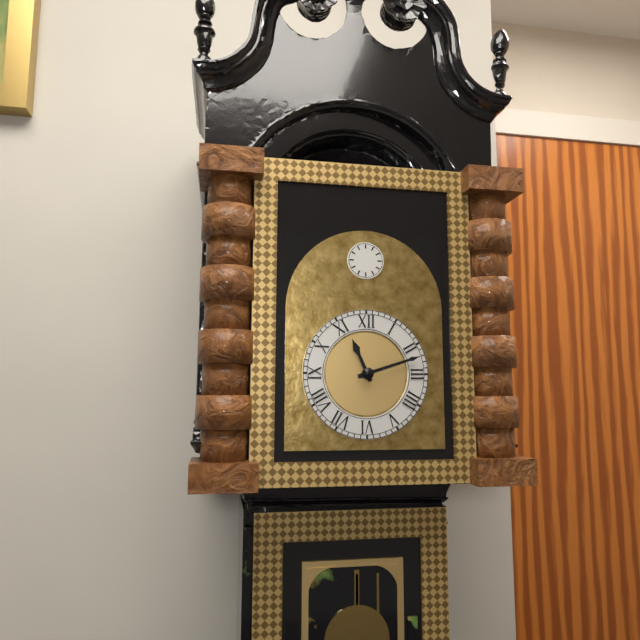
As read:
11,12
